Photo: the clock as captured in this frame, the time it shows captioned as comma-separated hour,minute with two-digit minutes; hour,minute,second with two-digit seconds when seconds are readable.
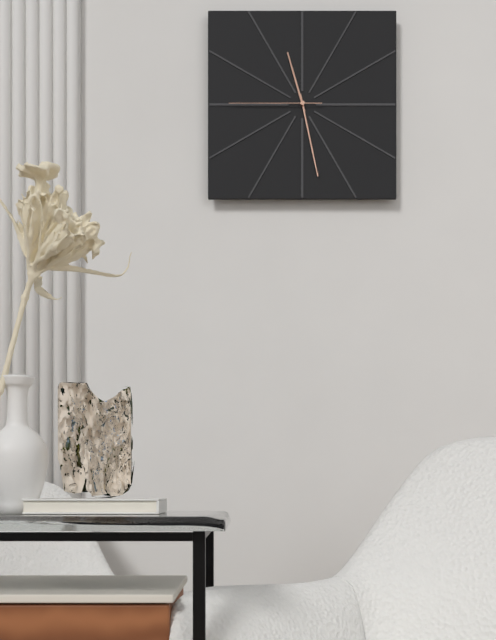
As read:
11,28,45
